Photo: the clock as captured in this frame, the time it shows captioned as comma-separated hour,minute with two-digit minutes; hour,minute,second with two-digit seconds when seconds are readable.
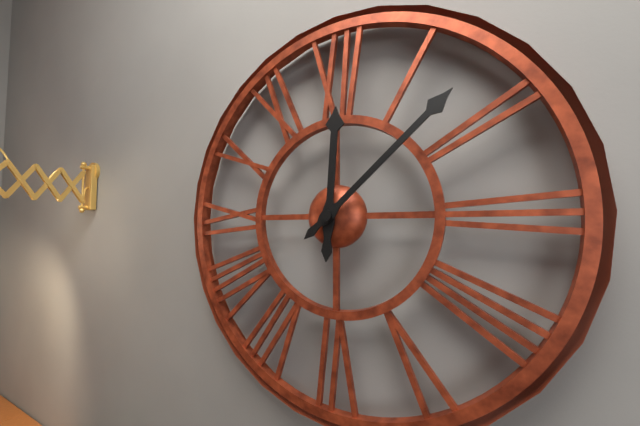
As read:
12,08
